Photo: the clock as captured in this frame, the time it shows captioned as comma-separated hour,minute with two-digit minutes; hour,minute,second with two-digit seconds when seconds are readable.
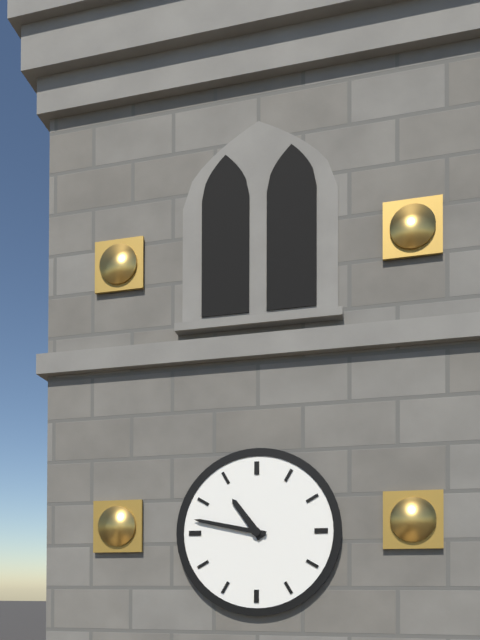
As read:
10,47
